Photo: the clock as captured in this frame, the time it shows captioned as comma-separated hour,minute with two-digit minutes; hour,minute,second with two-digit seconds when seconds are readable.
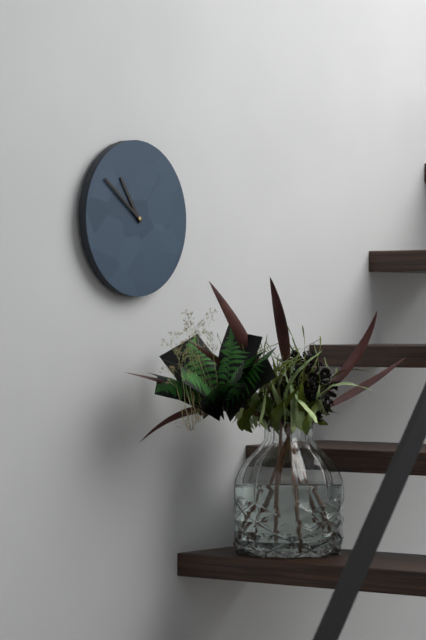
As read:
10,51
